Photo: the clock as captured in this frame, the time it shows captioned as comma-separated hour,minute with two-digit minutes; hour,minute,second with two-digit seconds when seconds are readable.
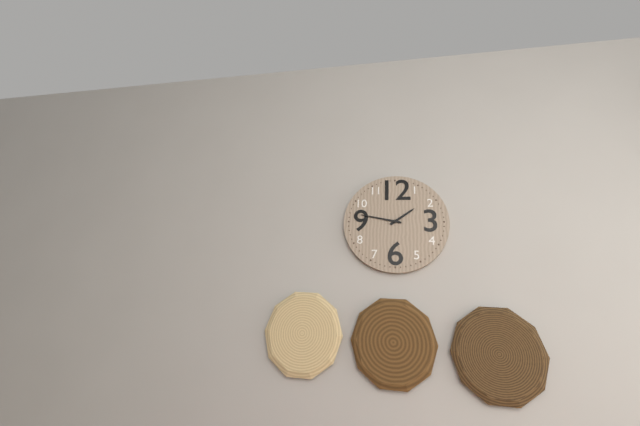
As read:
1,47
